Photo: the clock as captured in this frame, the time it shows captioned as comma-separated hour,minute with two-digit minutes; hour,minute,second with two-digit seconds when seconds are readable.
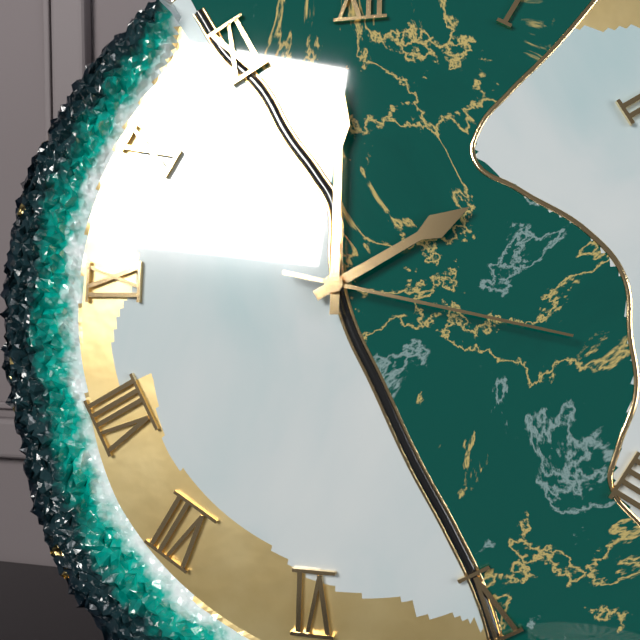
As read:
2,00,17
